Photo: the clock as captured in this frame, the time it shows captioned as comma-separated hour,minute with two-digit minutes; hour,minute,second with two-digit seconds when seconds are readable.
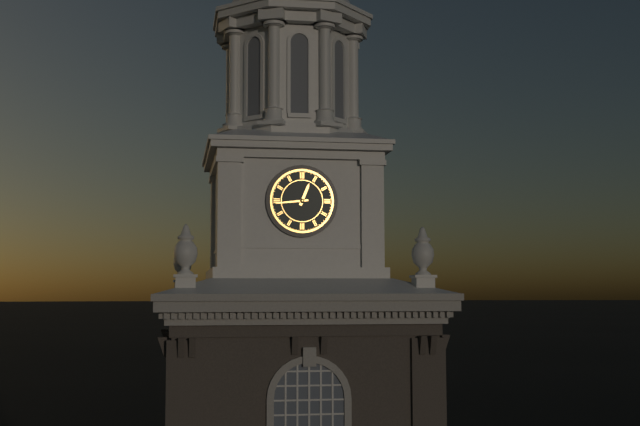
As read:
12,44
